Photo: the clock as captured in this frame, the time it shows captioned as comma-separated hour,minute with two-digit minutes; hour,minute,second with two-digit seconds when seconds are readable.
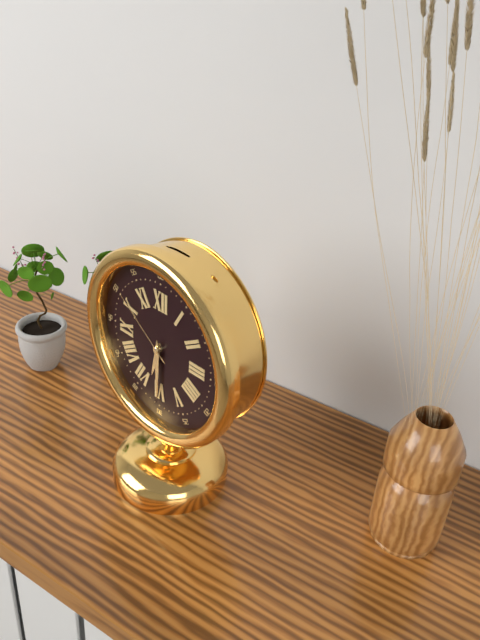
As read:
6,30,51
